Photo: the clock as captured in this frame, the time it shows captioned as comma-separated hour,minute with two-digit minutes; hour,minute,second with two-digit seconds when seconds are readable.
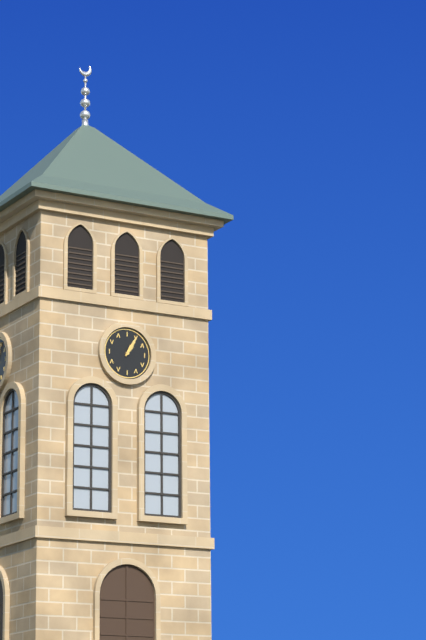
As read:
1,05
